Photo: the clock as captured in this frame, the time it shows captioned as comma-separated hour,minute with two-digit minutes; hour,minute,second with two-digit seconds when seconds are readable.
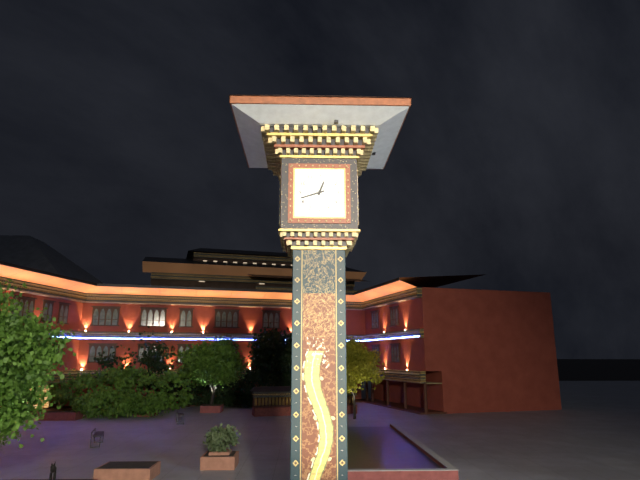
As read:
12,42
